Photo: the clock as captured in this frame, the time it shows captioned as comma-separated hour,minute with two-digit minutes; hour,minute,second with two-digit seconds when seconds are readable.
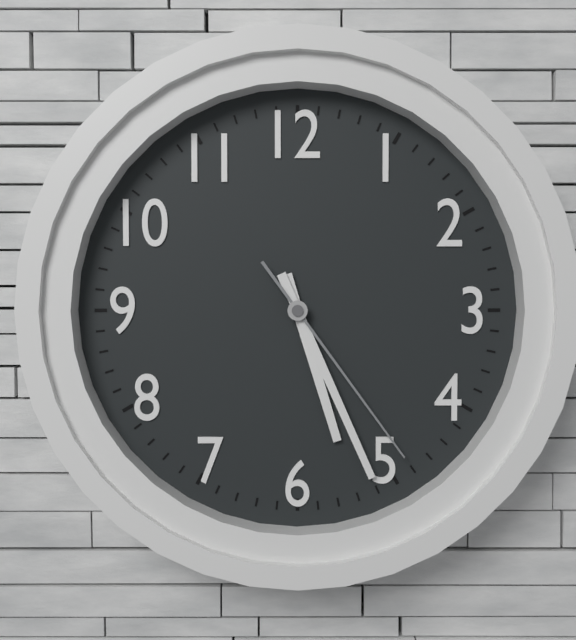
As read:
5,26,24
